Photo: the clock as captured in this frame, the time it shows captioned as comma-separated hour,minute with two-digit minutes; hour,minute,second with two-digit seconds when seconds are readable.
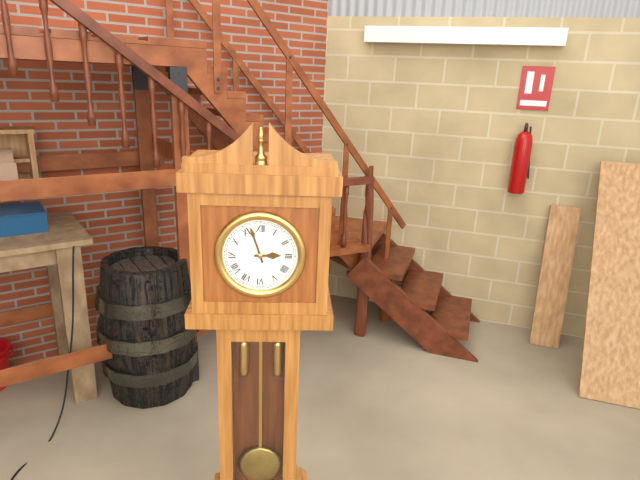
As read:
2,57
